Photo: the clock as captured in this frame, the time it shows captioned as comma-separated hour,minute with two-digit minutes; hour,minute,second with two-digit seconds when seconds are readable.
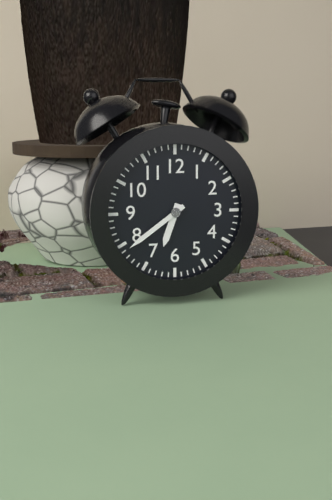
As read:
6,39
